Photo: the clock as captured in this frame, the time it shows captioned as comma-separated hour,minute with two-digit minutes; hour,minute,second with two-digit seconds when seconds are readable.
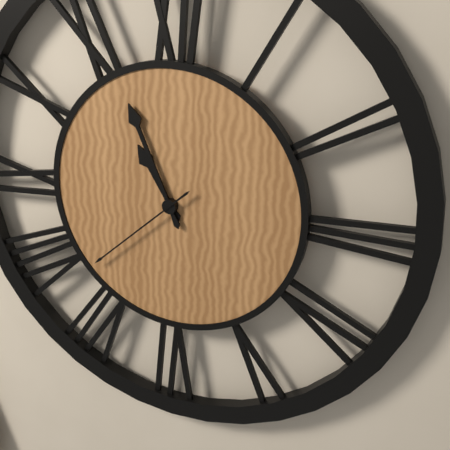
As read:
10,56,38
